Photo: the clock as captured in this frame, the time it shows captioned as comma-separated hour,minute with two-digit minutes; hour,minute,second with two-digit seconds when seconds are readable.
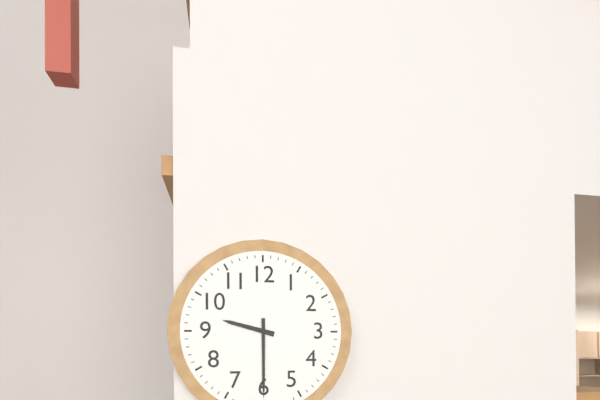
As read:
9,30
